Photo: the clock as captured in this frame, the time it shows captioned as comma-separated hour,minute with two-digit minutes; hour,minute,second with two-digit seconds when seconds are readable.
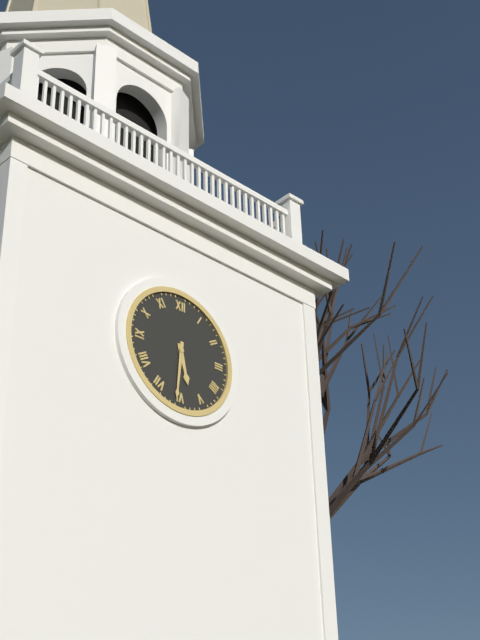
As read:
5,31
